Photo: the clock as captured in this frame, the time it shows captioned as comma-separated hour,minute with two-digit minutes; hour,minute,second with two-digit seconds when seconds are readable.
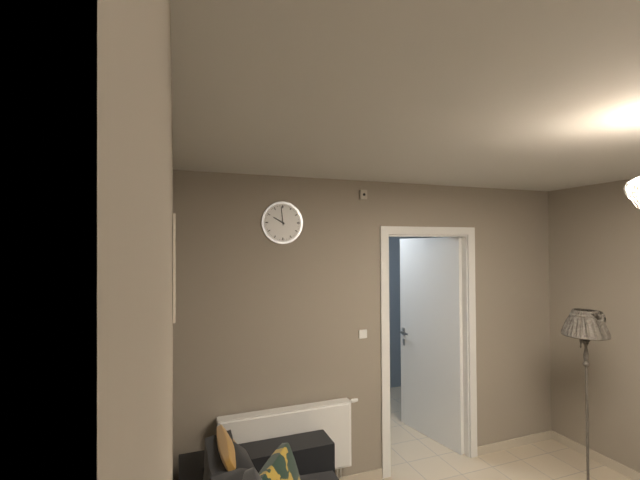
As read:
9,59
